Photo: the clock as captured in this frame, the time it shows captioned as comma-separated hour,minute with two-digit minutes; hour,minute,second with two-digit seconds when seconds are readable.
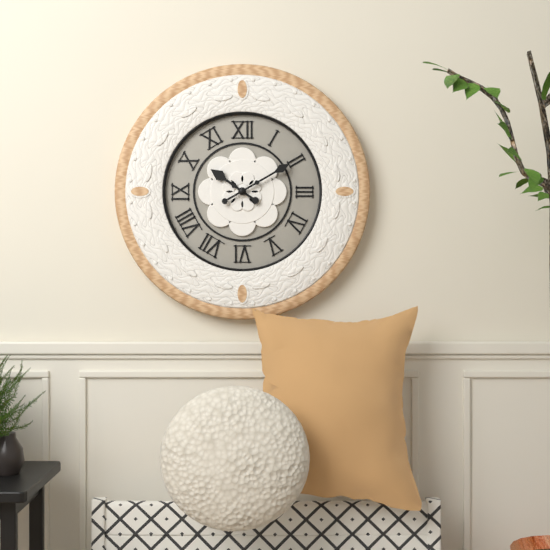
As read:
10,10
